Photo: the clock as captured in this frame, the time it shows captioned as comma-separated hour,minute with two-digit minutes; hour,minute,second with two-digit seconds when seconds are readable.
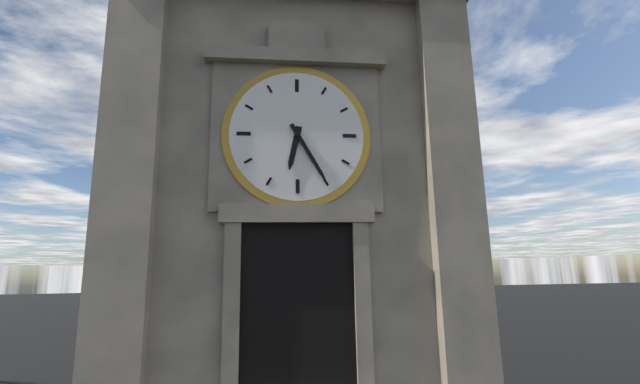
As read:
6,25
